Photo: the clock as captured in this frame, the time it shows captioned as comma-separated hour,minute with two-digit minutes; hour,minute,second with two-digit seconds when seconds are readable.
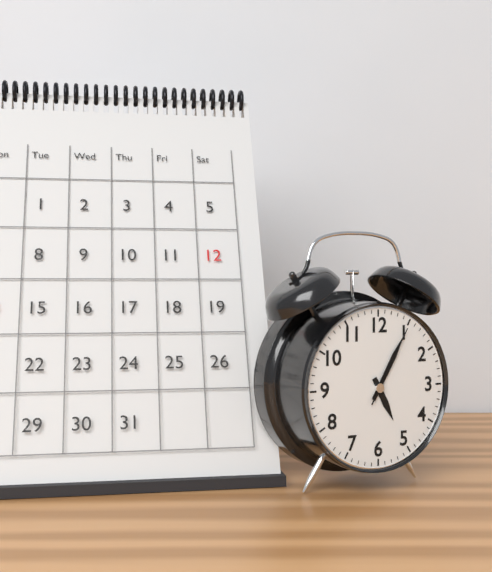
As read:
5,05,05
